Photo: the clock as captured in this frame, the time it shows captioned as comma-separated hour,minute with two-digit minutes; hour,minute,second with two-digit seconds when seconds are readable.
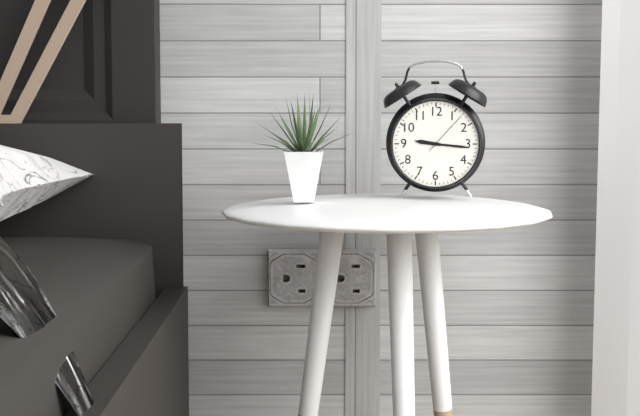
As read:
9,16
